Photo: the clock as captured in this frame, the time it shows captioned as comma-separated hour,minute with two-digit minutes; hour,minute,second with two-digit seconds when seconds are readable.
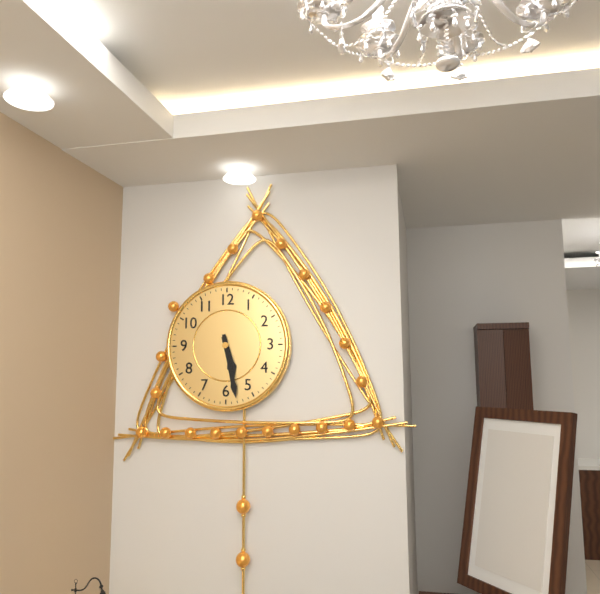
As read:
5,28
